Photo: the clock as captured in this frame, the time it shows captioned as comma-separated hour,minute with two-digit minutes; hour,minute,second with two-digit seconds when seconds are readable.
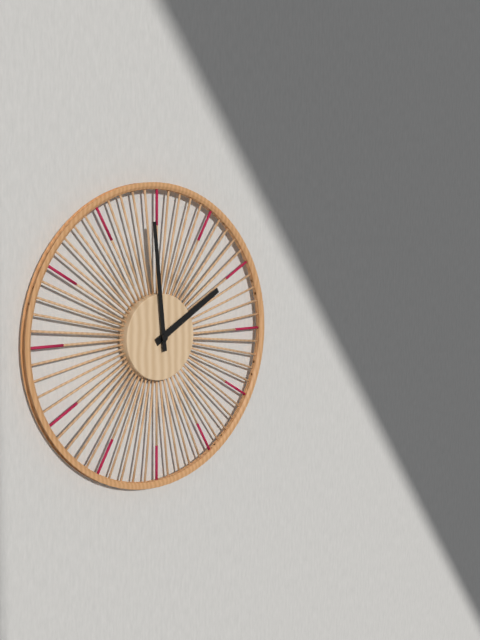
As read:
1,59
